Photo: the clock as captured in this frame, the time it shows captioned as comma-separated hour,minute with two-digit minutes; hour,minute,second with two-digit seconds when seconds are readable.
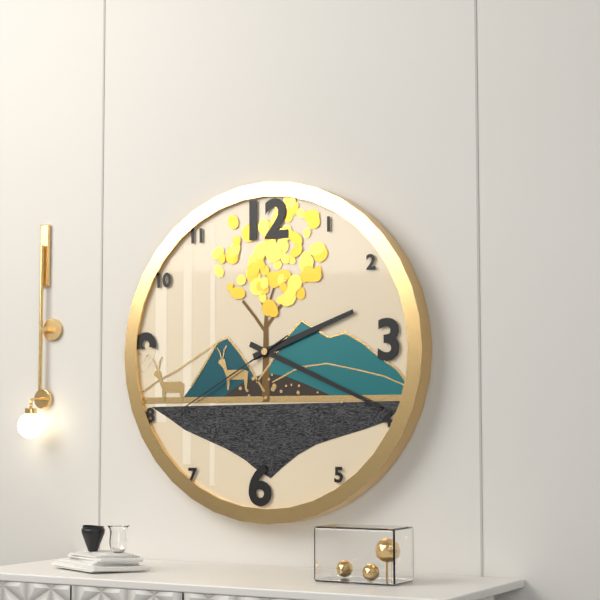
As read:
2,19,40
